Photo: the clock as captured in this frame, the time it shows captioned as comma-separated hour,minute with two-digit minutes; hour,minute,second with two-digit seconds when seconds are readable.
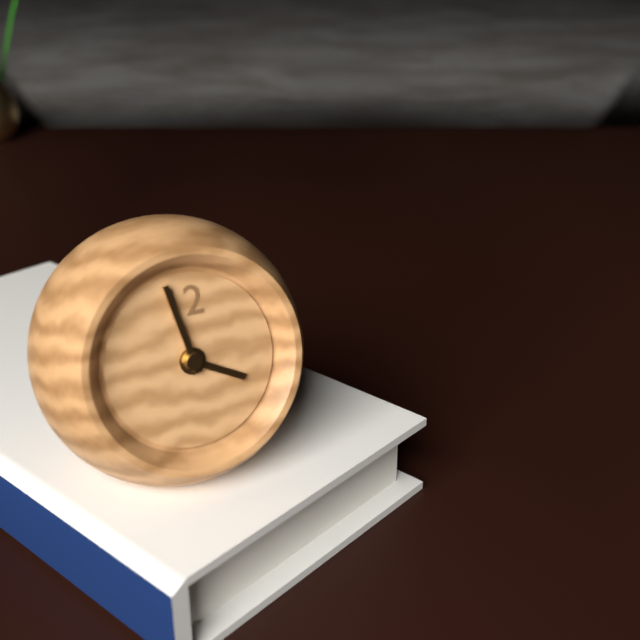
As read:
3,58
